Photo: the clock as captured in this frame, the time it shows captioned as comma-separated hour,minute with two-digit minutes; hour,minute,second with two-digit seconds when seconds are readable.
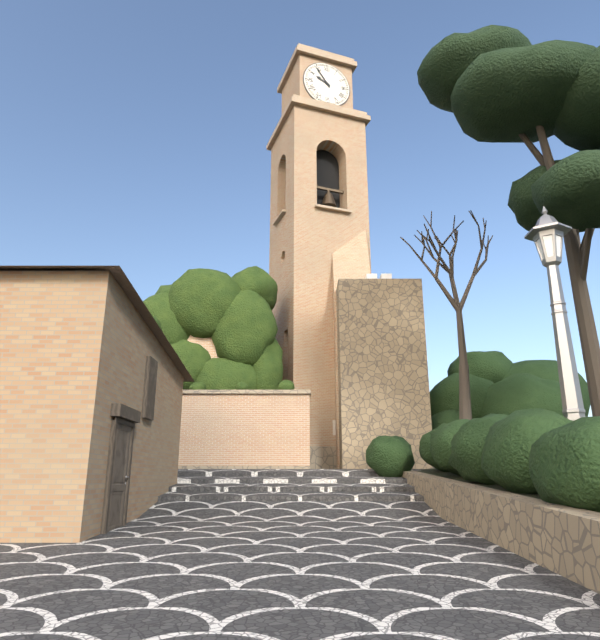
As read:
9,54
